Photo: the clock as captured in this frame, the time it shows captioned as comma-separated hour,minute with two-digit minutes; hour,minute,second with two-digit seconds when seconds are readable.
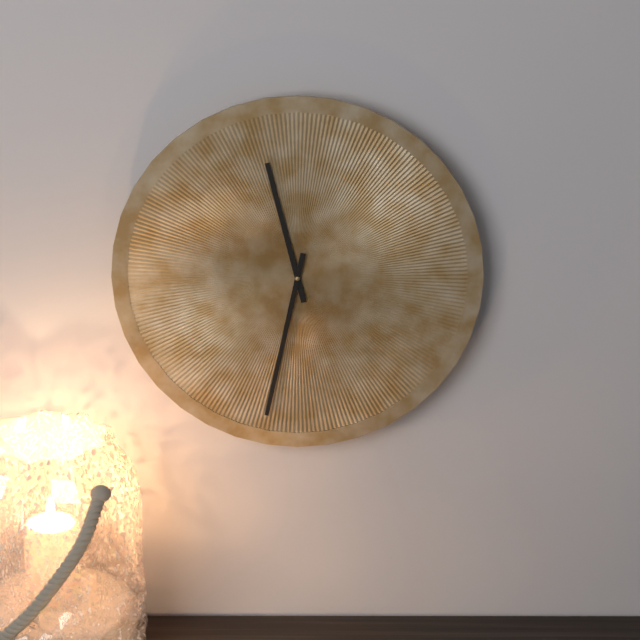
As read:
11,32
